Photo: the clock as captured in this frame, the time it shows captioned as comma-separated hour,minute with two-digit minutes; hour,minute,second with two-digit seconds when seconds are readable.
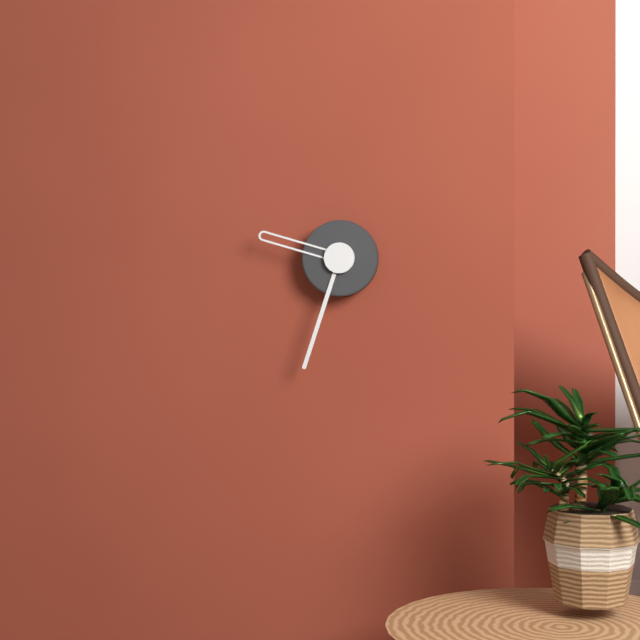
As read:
9,33
